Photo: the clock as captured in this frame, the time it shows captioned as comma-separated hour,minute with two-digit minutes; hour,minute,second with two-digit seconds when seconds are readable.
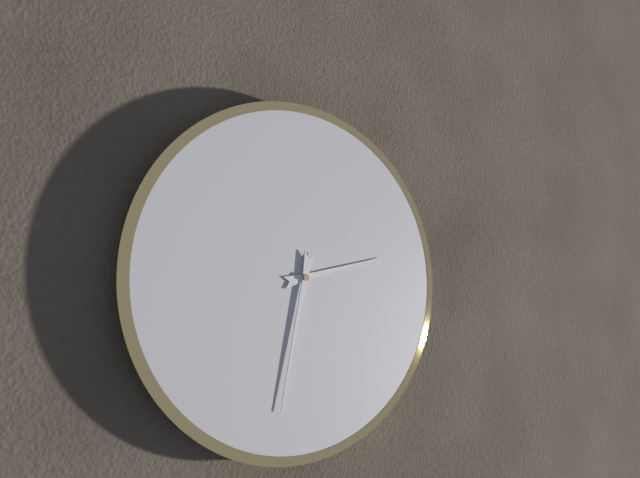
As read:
2,32
